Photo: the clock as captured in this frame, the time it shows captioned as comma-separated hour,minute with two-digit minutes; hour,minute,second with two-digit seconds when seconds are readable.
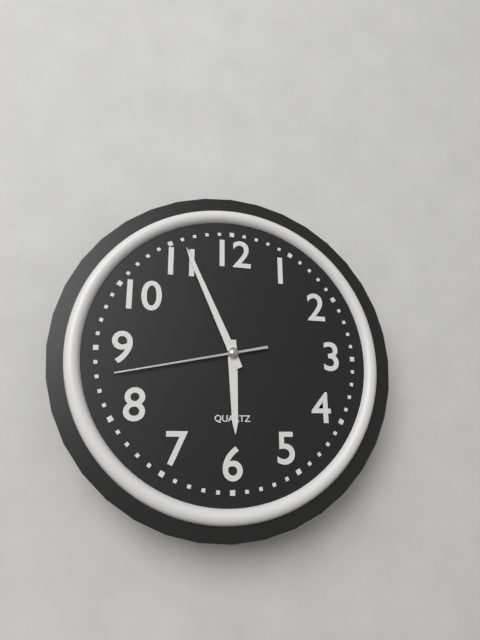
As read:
5,56,43
